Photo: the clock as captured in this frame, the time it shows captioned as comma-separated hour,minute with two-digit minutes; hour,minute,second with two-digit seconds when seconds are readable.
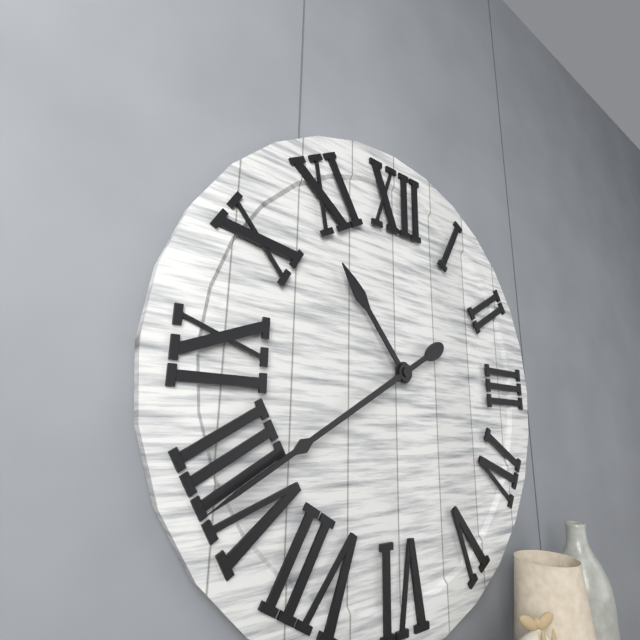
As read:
10,40
